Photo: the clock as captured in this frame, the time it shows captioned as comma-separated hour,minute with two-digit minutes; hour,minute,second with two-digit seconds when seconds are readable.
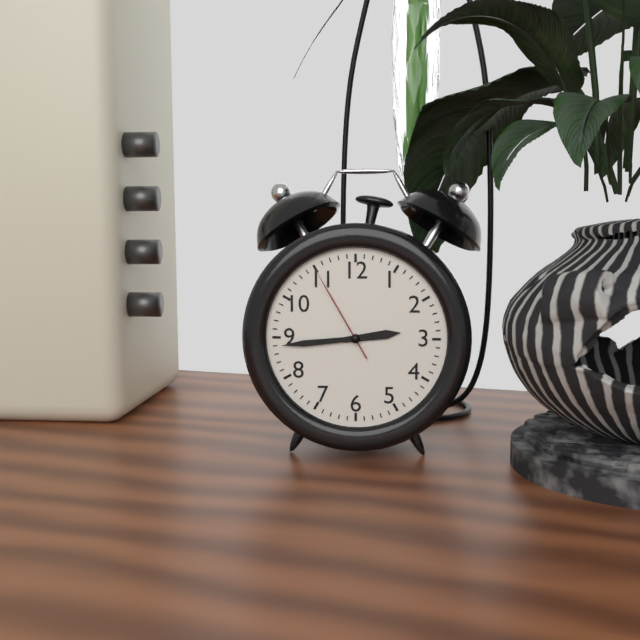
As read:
2,44,55
